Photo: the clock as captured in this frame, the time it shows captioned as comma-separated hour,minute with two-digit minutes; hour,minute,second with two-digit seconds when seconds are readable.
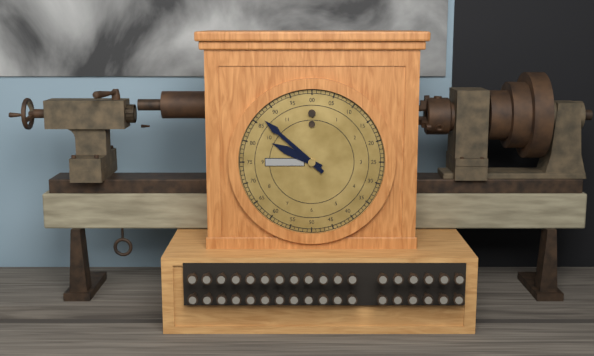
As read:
9,52
